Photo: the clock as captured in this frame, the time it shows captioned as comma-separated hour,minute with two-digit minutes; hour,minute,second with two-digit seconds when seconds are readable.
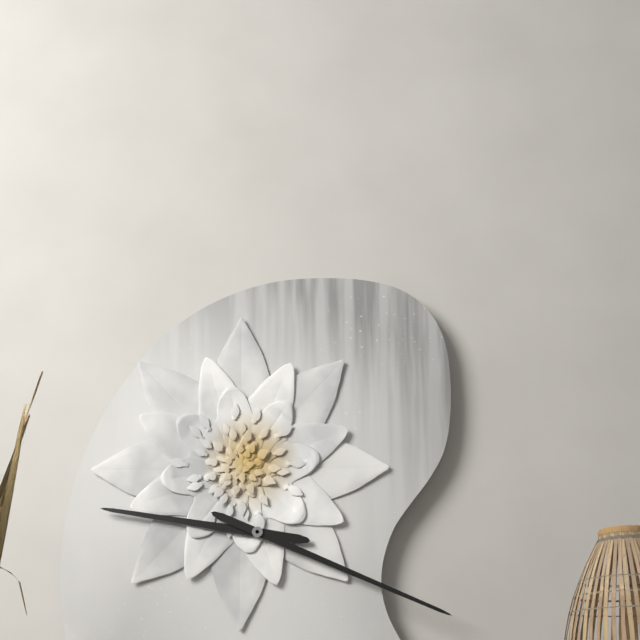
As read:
9,19
